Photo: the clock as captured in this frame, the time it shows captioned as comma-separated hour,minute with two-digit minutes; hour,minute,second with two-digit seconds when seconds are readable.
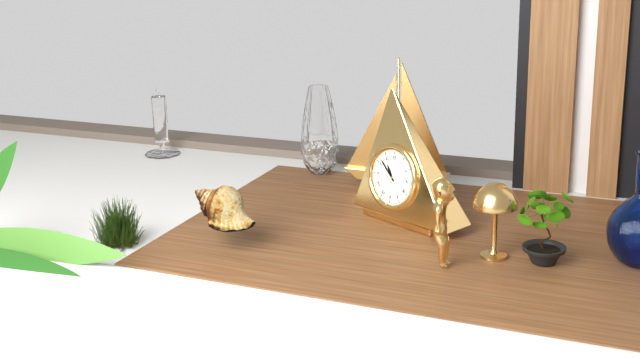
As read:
10,52
